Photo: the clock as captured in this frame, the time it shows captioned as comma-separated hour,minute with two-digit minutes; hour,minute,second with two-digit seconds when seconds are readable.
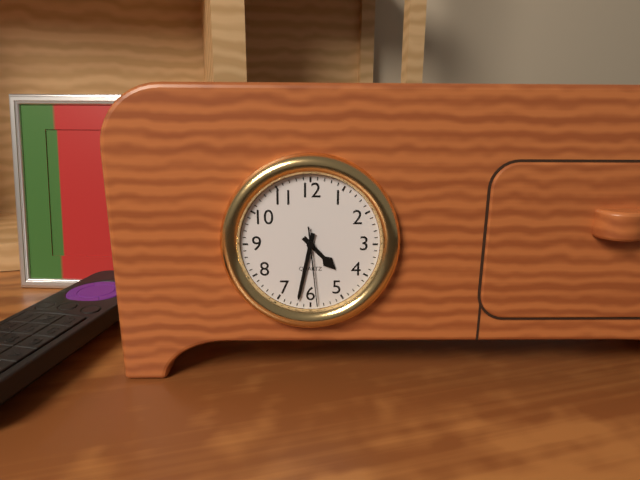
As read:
4,32,29
